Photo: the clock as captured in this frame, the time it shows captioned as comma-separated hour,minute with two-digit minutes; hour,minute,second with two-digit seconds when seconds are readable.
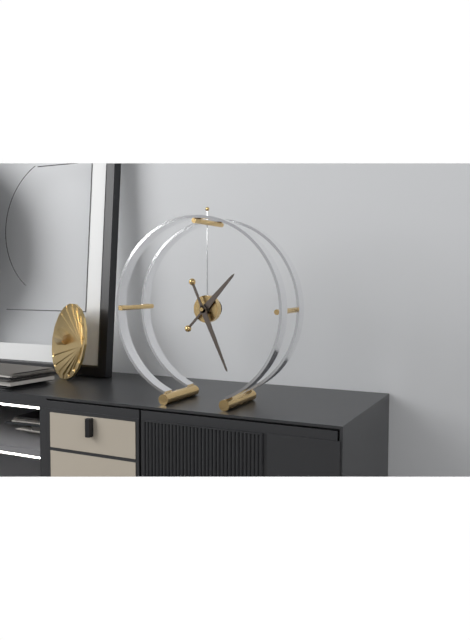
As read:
1,26
